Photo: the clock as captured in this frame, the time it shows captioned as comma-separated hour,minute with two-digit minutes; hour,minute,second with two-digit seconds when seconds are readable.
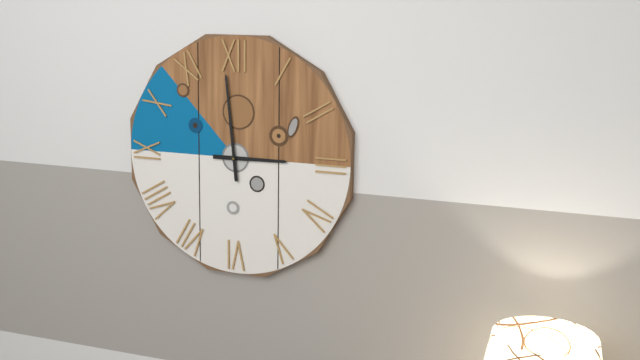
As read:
2,59
